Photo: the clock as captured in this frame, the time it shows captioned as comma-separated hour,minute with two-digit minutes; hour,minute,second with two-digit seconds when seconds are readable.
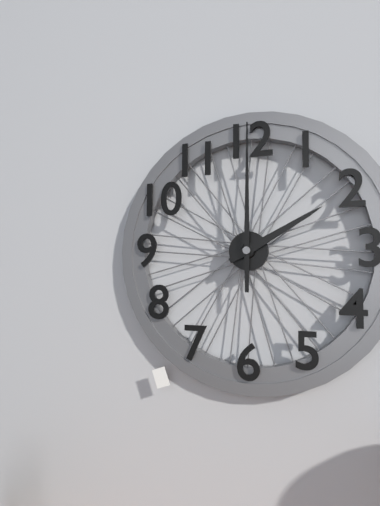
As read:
2,00
